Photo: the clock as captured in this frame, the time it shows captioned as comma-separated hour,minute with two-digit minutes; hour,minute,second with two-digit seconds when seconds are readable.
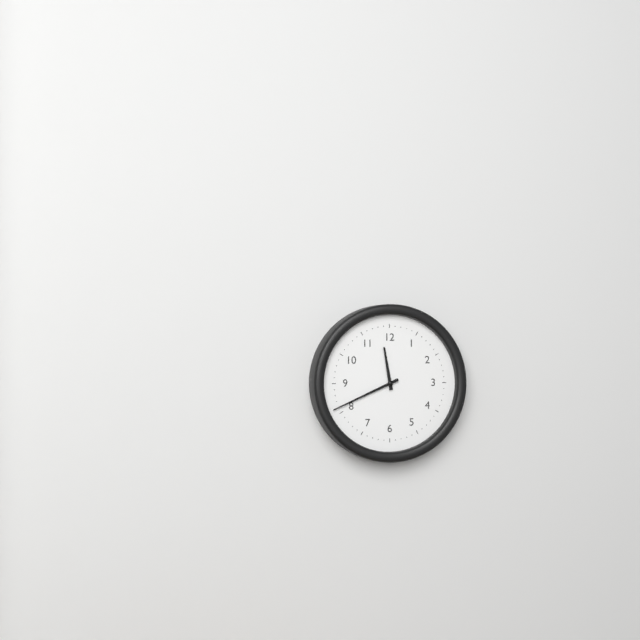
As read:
11,41
